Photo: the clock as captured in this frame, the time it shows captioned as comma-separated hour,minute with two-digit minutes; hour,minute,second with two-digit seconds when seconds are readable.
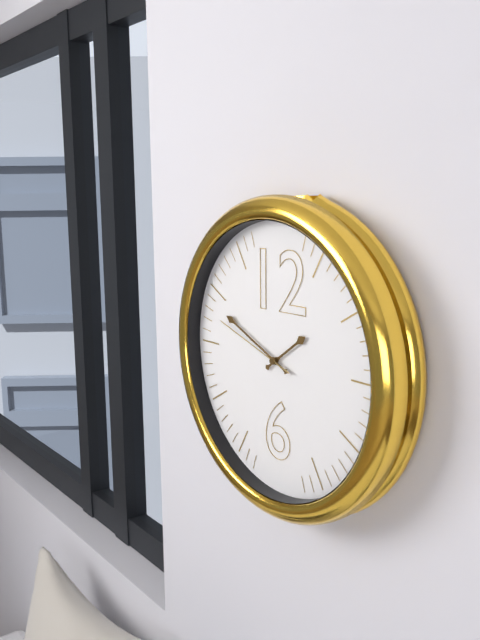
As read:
1,49,48
